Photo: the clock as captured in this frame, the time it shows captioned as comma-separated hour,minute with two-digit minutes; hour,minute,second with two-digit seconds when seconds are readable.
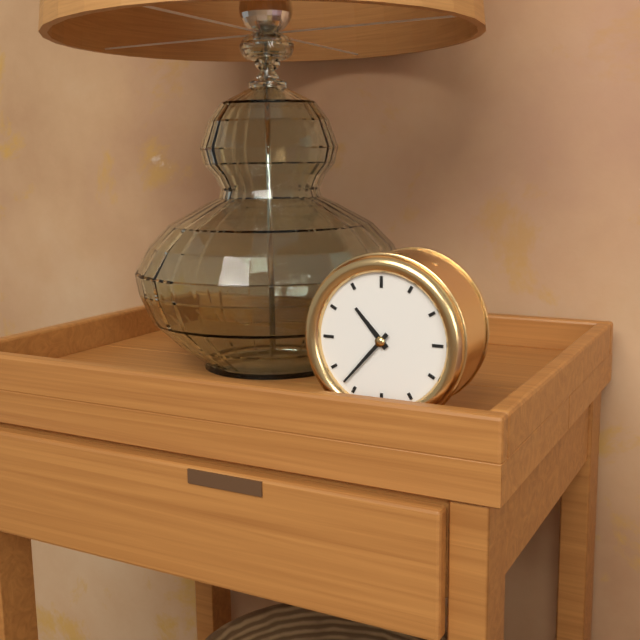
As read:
10,37
